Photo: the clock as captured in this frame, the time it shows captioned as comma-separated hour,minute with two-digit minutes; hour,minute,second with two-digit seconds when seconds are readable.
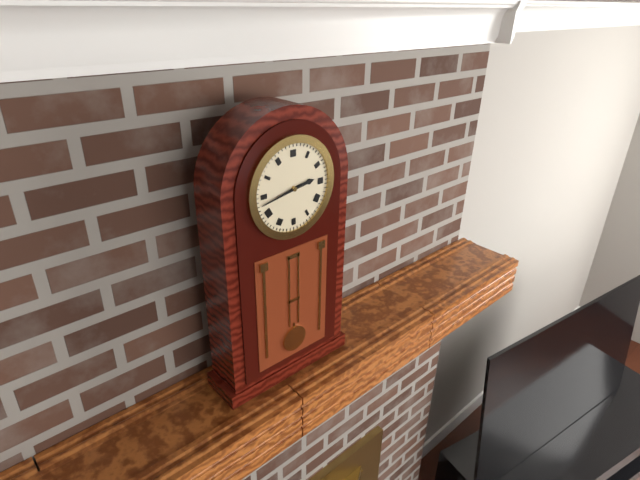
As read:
2,43
